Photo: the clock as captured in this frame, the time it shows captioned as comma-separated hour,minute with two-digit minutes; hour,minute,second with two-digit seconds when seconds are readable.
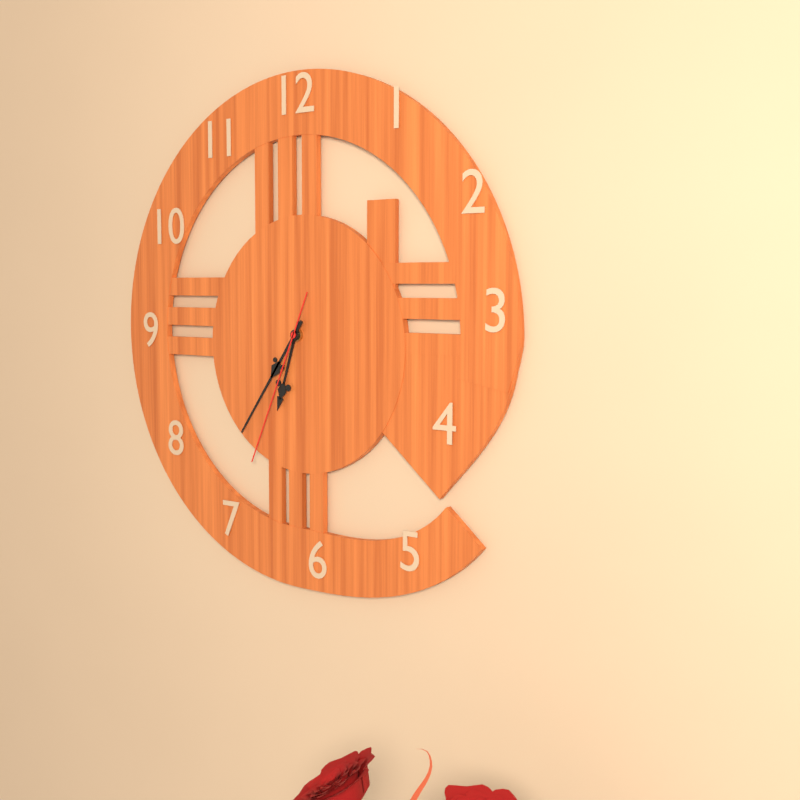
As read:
6,36,34
